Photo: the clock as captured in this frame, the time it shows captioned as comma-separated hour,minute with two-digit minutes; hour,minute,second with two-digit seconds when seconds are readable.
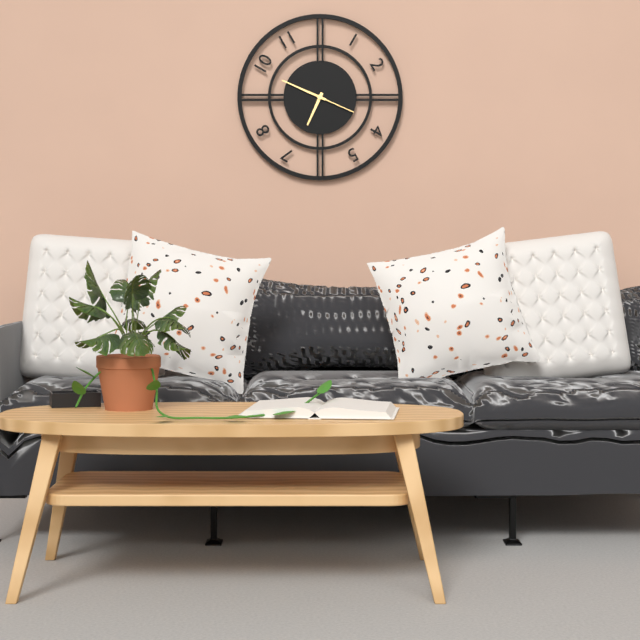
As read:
6,49
